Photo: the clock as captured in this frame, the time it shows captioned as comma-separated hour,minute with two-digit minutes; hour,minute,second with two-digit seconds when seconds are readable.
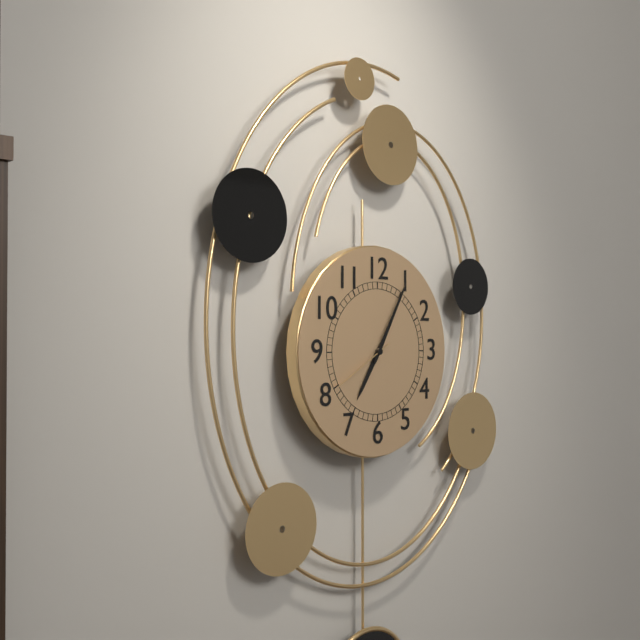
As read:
7,05
